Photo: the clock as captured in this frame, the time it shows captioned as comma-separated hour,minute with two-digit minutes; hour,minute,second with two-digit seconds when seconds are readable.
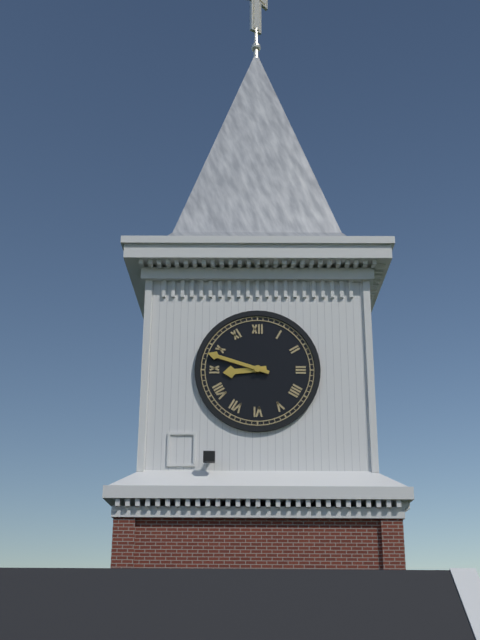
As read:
8,48
